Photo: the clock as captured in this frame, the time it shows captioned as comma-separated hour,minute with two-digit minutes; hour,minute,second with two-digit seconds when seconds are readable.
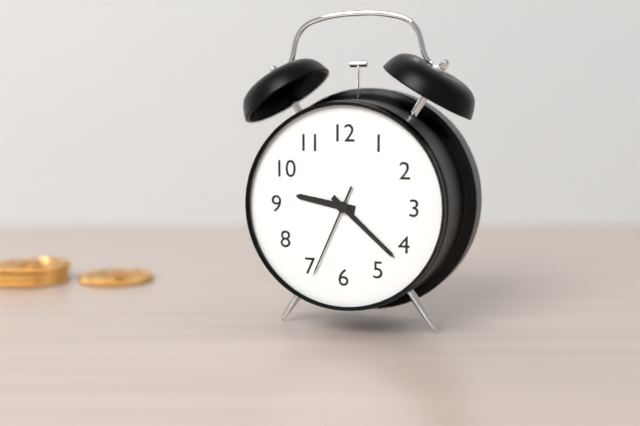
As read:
9,22,34
